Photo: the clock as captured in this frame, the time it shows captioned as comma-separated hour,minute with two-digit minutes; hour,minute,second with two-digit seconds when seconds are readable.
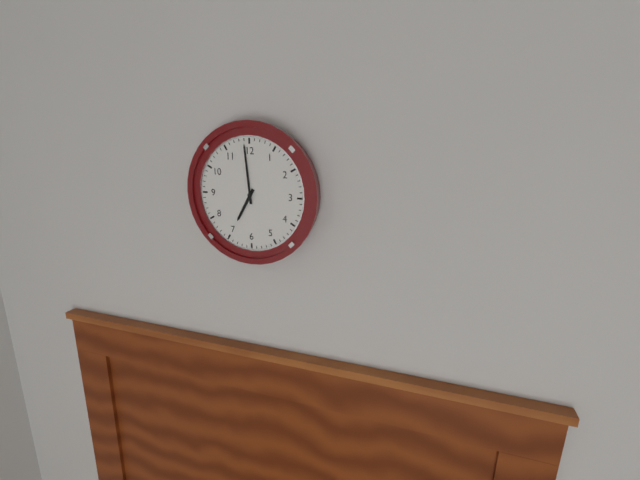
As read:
6,59
